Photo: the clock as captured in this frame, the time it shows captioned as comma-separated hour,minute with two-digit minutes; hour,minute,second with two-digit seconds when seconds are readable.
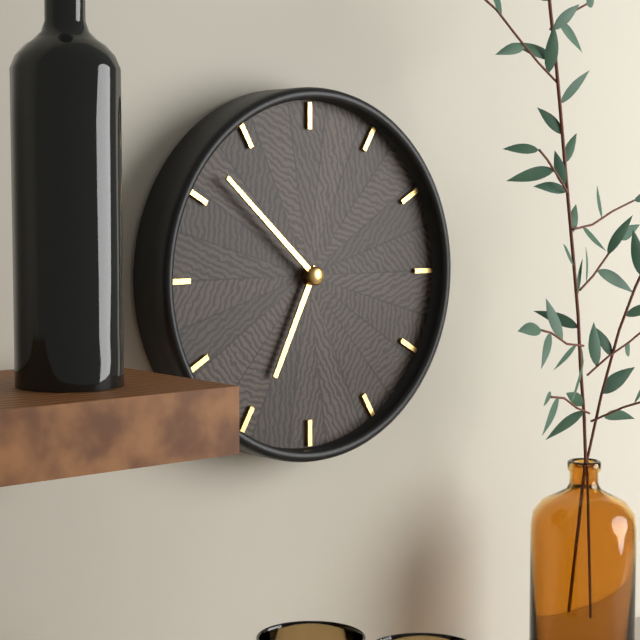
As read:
6,52
